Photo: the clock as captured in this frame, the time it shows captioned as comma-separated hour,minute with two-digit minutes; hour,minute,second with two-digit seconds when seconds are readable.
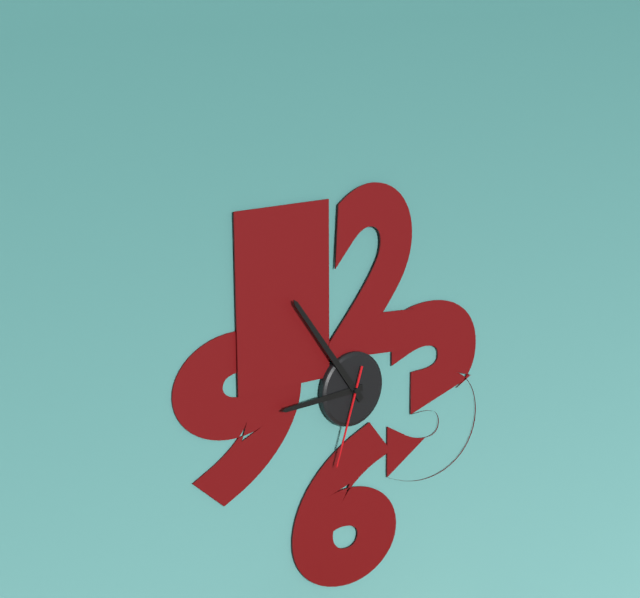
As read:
8,54,33
